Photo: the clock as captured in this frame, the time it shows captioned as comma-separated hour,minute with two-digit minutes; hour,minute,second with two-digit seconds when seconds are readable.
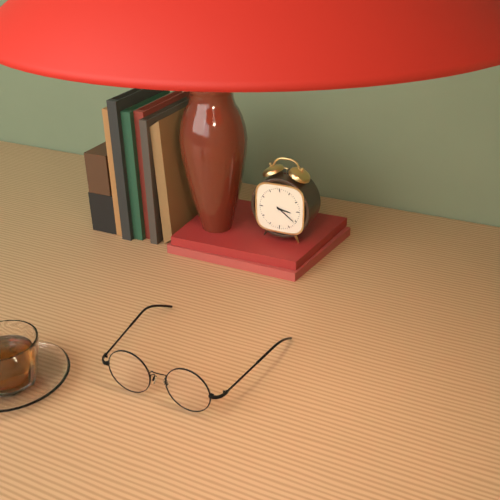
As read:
3,21
